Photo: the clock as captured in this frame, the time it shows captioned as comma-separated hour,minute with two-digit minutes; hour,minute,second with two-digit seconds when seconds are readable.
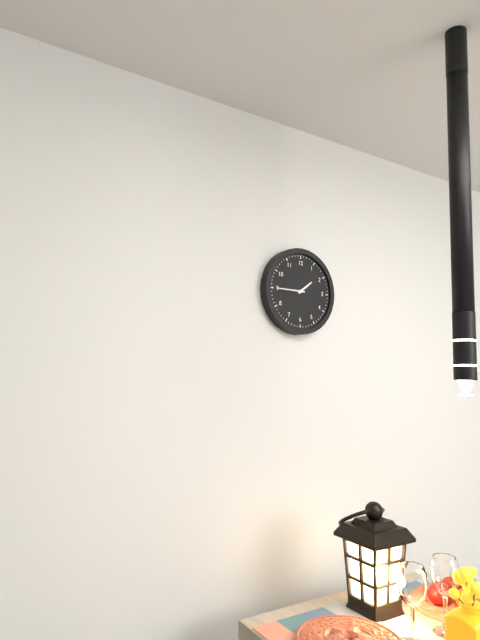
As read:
1,45
